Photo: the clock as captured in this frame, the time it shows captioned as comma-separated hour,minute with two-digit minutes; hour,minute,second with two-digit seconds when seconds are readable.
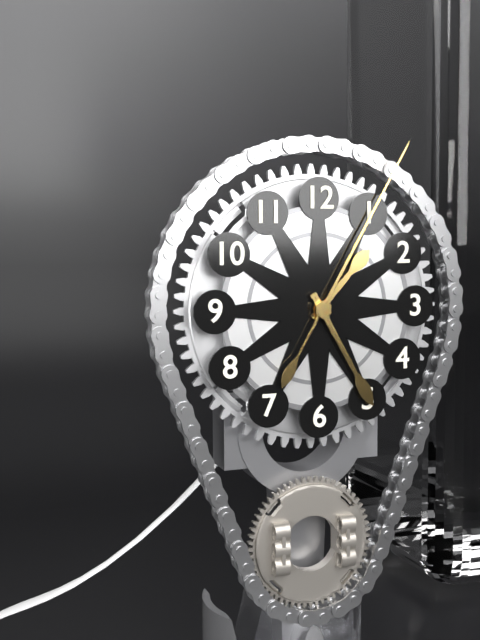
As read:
1,25,05
